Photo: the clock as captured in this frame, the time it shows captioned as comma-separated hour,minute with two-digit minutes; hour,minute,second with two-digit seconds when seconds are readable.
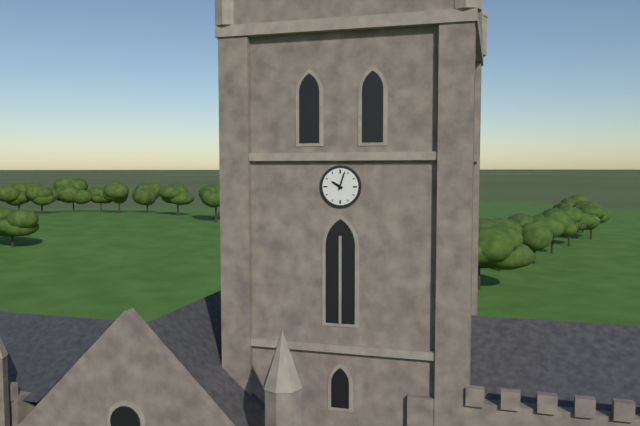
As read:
10,03
